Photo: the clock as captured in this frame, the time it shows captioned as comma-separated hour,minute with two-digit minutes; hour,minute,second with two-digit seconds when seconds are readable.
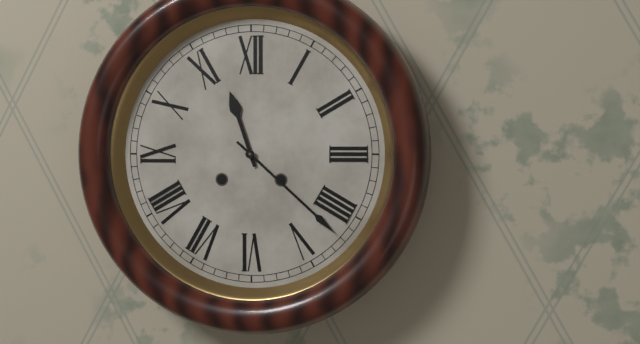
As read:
11,22
